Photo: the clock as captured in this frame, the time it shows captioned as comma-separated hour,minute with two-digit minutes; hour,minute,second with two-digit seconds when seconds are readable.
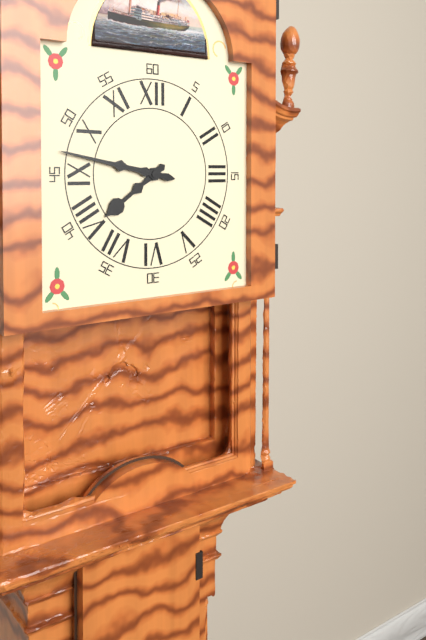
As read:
7,47
